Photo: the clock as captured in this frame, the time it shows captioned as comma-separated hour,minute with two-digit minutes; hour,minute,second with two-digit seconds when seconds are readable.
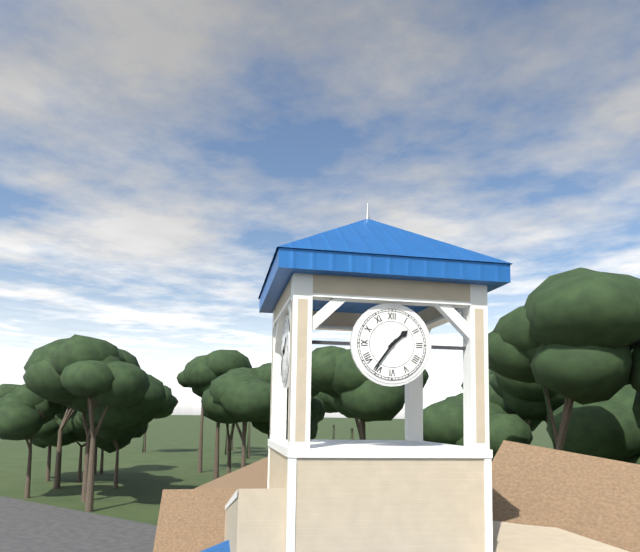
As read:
1,36
